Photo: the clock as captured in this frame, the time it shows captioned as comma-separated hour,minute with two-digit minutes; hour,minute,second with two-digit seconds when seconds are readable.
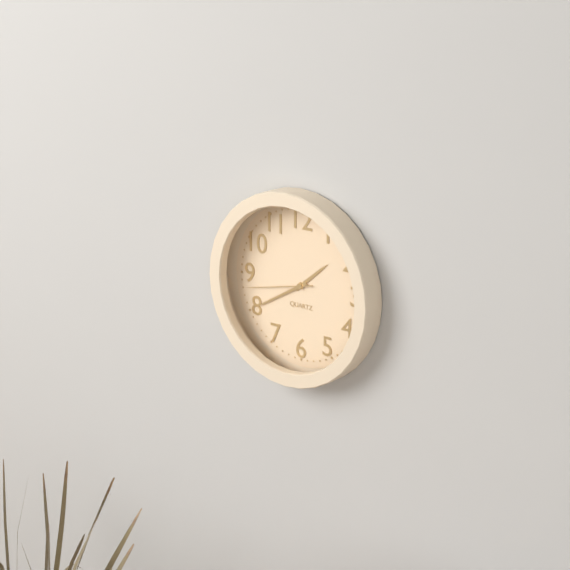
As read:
1,40,43
